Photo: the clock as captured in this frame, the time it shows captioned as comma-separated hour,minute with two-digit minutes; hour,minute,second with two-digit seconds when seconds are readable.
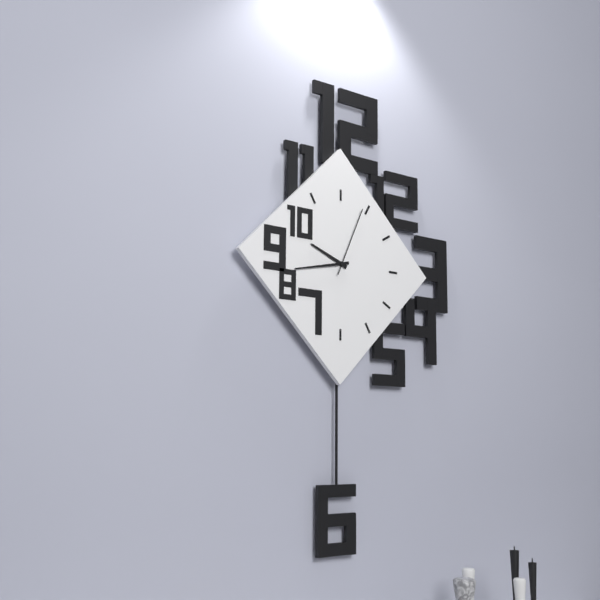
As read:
9,43,04
